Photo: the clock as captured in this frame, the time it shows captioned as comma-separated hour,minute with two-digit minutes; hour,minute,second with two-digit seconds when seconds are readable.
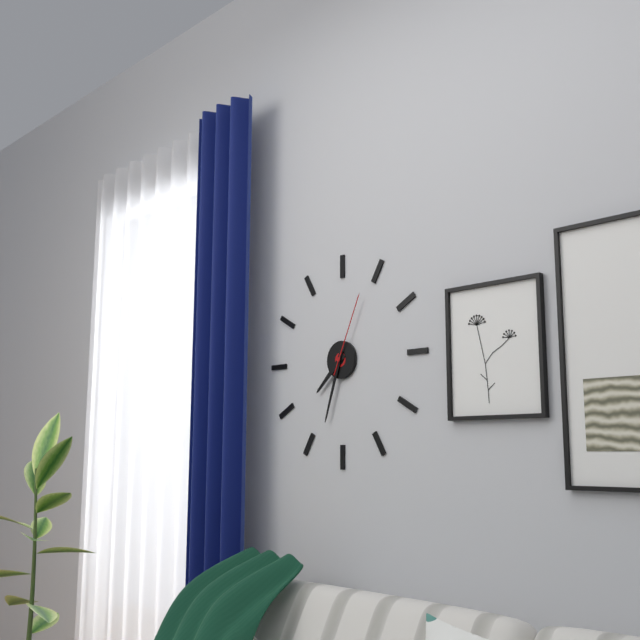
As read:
7,33,04
